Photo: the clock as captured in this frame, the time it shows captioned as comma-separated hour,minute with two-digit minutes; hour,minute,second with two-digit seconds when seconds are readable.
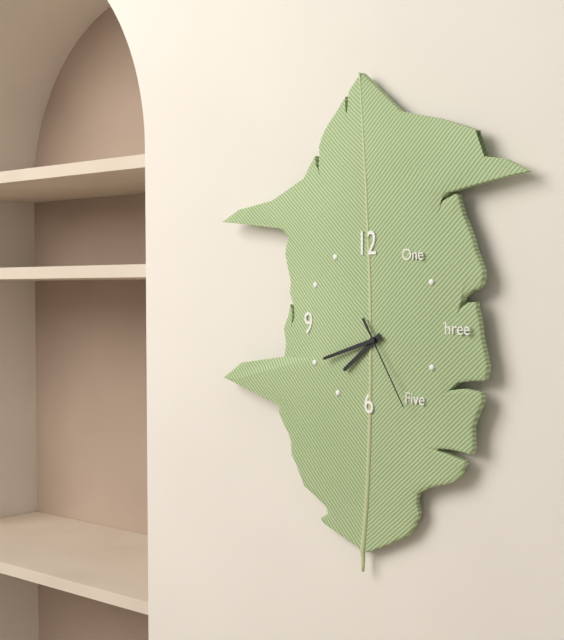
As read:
7,42,25
